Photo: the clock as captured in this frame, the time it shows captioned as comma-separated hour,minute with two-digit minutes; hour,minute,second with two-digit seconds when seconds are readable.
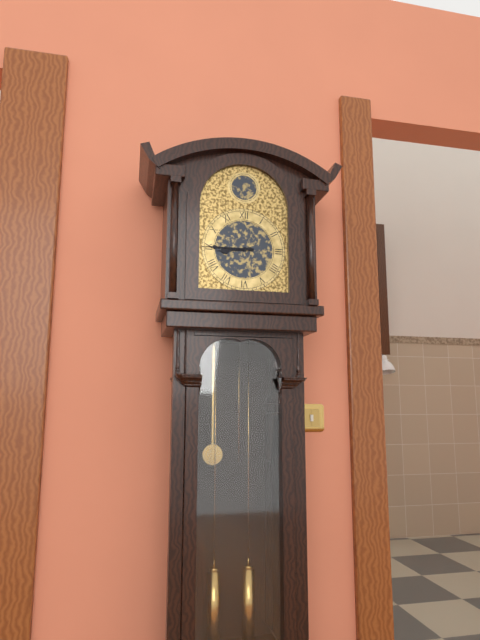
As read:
8,45
